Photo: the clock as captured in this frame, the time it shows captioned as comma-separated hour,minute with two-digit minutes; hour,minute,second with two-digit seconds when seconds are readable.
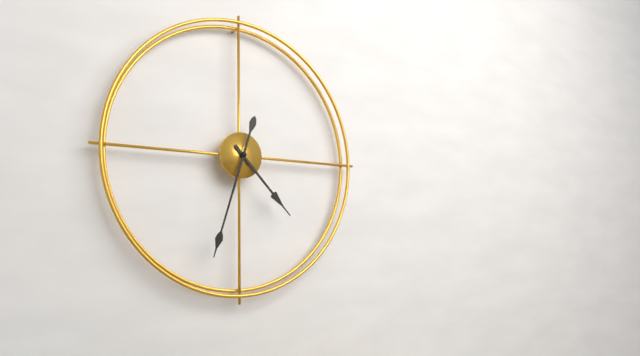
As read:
4,33
